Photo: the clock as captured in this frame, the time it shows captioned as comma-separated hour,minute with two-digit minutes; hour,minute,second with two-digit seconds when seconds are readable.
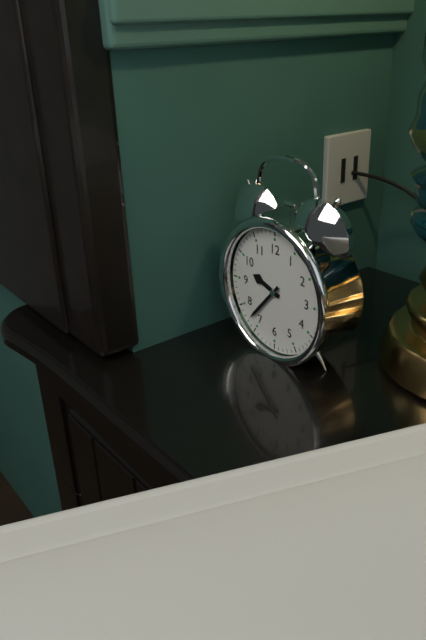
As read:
9,37
